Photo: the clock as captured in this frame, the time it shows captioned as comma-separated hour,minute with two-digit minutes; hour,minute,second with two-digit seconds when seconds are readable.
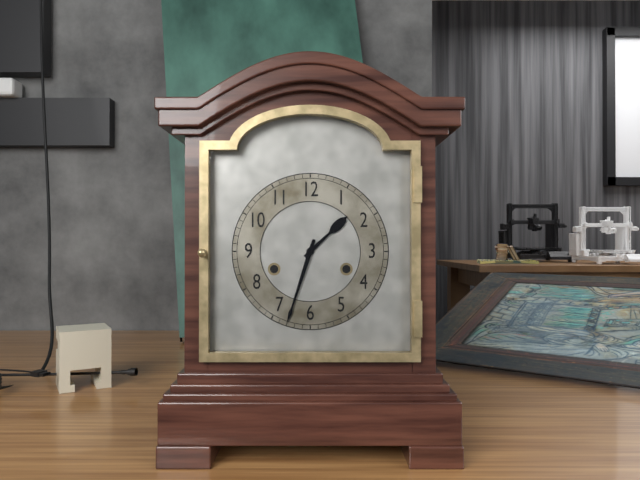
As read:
1,33
